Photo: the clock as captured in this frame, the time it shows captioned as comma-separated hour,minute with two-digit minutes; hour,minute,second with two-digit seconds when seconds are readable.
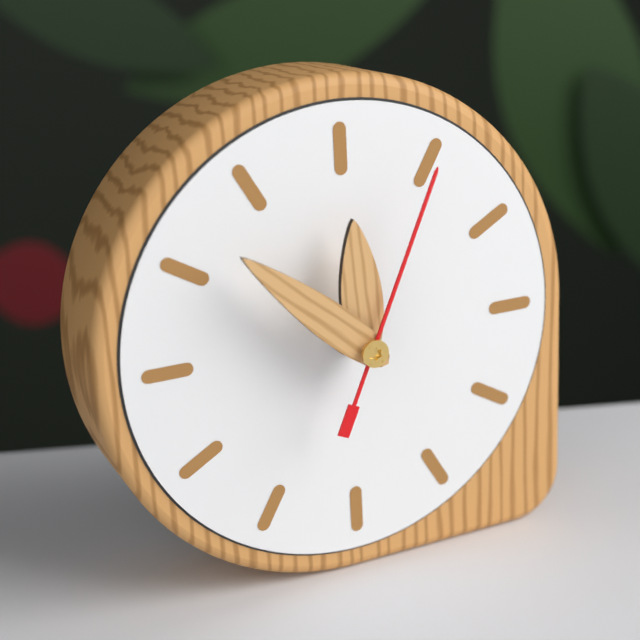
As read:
11,52,04
